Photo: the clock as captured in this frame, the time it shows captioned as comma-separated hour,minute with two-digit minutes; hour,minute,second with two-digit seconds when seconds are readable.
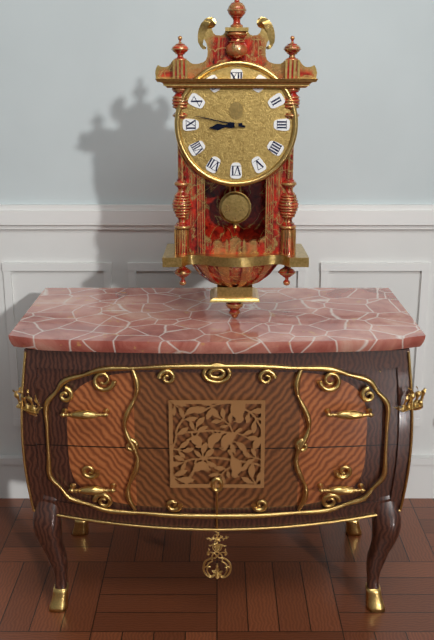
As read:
8,47
